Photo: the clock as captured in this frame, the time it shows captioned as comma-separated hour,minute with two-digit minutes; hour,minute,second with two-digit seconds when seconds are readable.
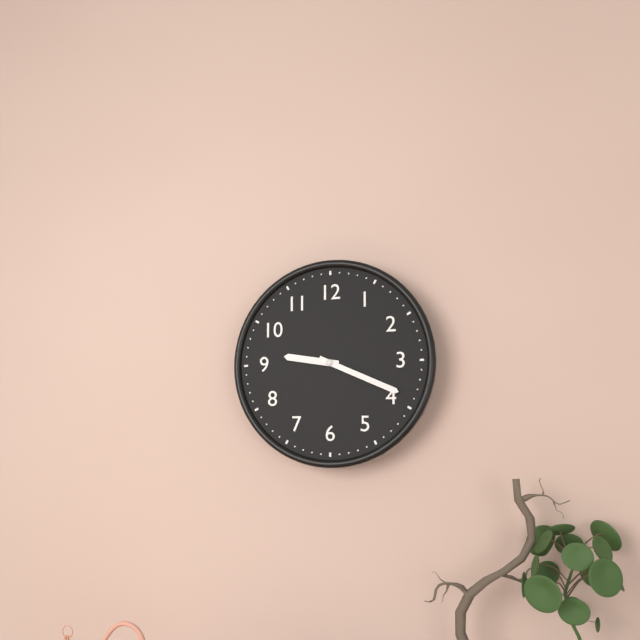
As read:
9,19
